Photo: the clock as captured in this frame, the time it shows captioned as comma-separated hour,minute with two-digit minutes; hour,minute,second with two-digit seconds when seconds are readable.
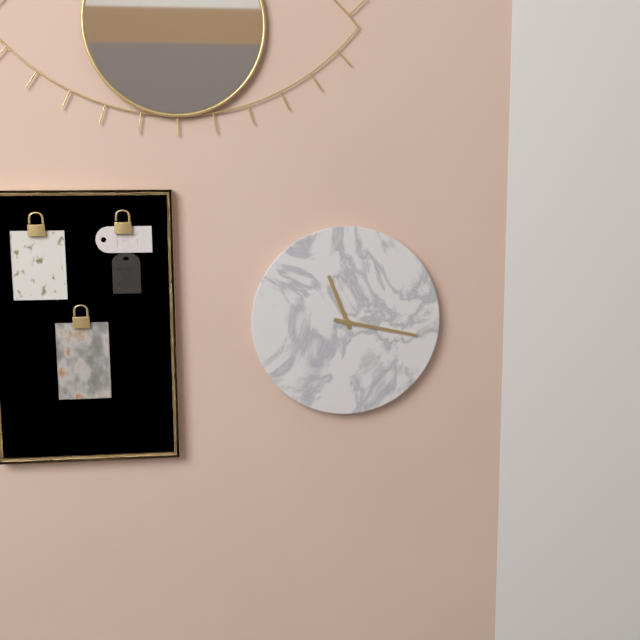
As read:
11,17
